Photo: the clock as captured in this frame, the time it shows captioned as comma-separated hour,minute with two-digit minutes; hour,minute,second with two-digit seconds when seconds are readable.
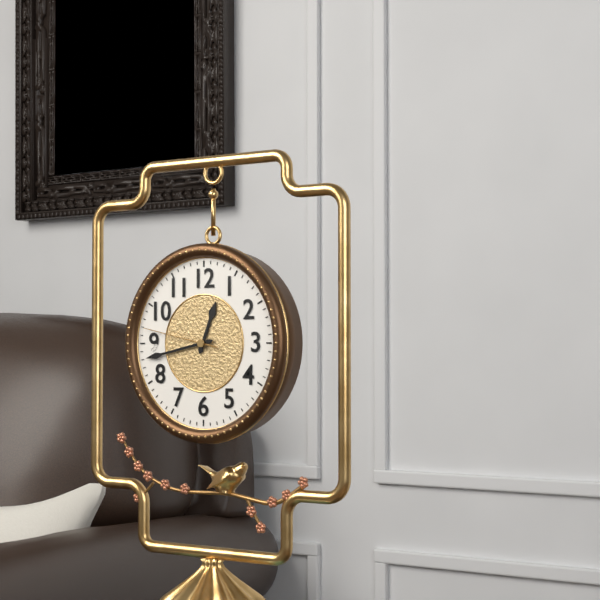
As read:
12,43,47
